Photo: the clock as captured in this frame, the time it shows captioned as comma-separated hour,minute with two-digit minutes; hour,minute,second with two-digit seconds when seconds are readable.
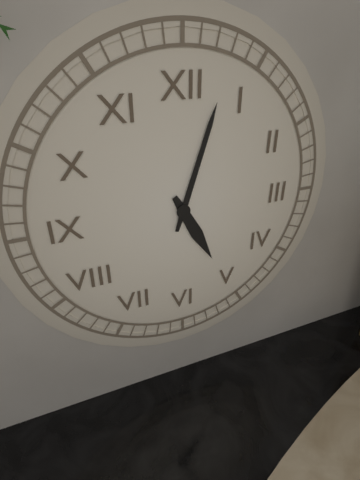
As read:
5,03
